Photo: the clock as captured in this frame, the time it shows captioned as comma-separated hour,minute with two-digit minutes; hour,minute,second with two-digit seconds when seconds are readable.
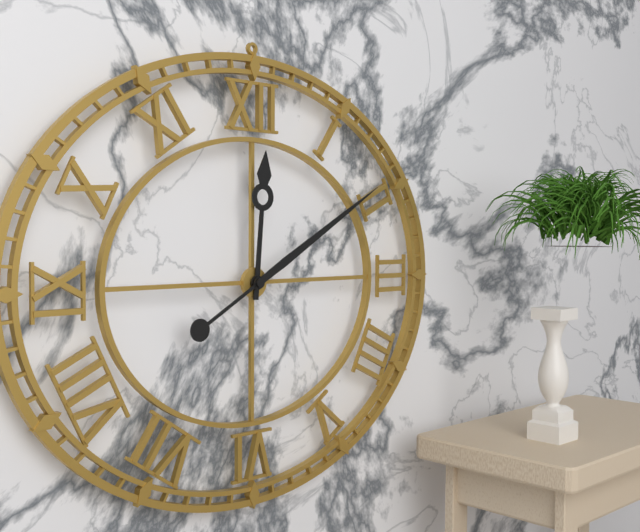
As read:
12,10
